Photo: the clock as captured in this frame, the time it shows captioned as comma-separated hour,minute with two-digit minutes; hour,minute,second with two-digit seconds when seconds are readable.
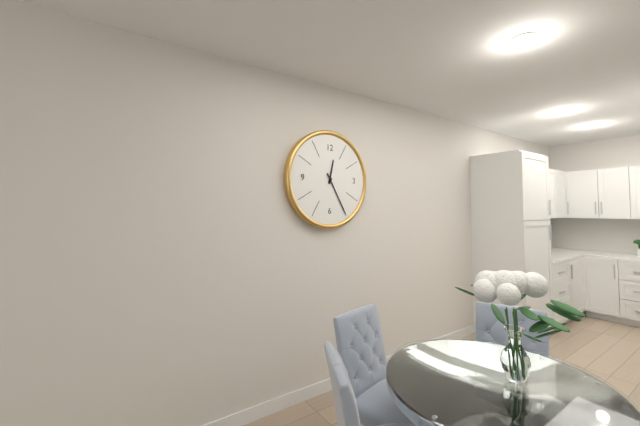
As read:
12,25
